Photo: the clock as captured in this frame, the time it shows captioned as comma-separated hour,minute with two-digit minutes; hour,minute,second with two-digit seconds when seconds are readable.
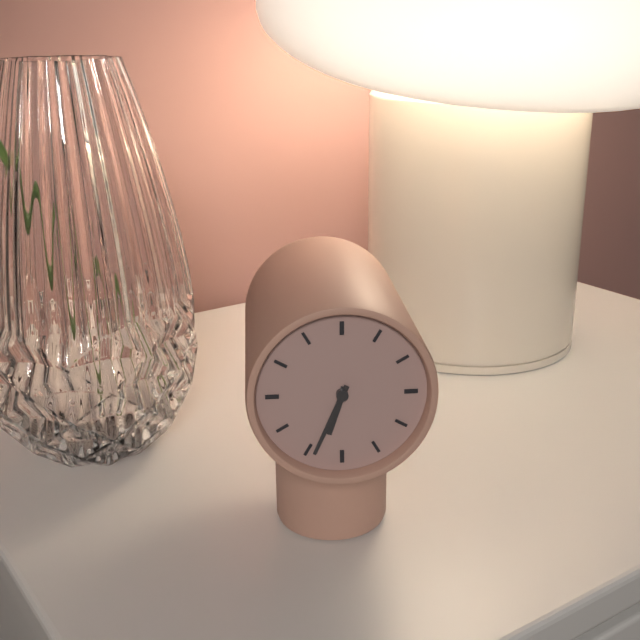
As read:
6,34
